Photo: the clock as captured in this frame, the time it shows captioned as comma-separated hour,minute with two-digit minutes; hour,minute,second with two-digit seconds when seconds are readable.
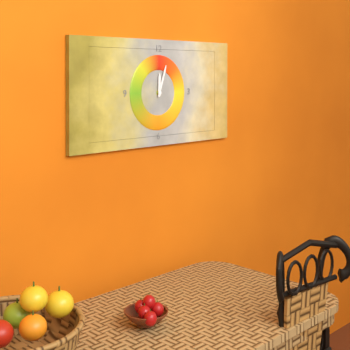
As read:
12,03
